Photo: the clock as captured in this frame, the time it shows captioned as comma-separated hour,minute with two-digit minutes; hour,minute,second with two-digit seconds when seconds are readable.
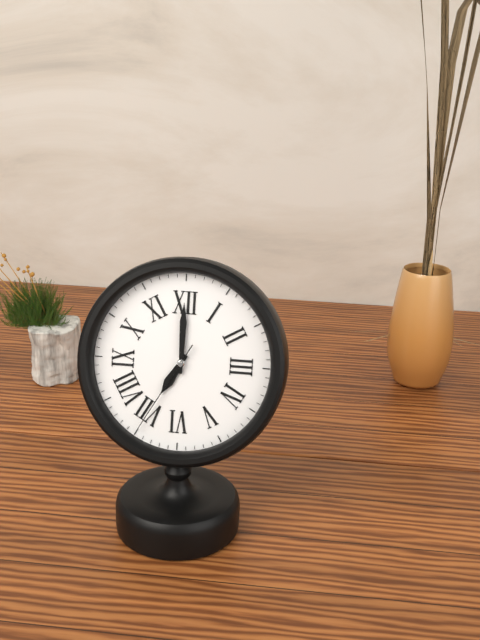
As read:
7,00,35
